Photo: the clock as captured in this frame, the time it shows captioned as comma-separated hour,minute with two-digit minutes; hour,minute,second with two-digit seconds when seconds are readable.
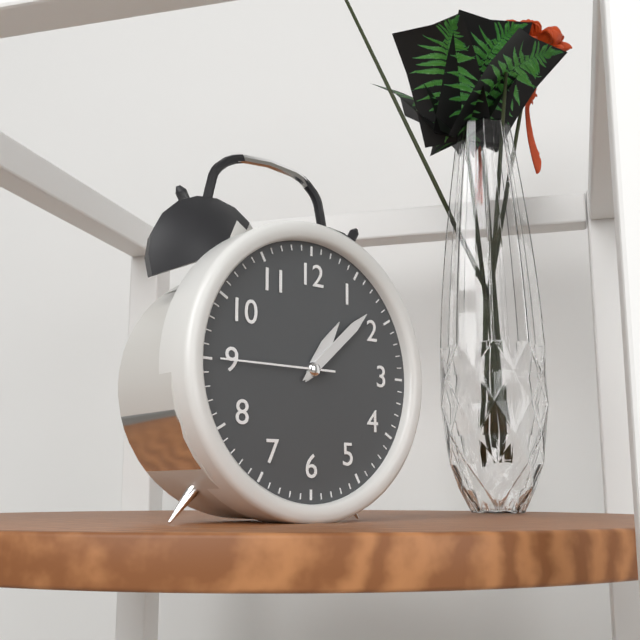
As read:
1,08,45
